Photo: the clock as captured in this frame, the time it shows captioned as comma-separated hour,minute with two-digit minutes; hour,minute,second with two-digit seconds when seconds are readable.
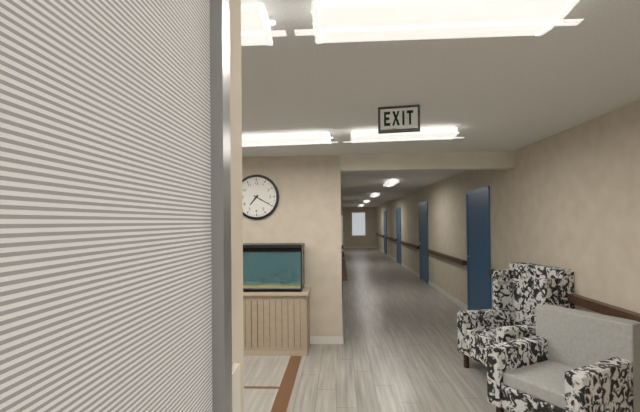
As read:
7,20
